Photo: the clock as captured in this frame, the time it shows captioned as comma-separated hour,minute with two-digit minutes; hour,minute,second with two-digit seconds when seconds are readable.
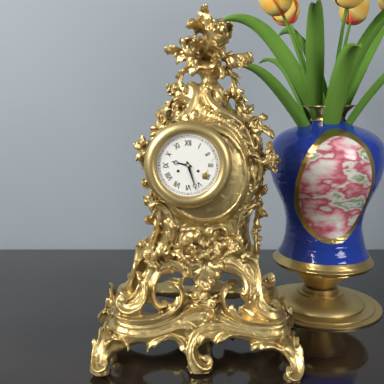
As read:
9,27
